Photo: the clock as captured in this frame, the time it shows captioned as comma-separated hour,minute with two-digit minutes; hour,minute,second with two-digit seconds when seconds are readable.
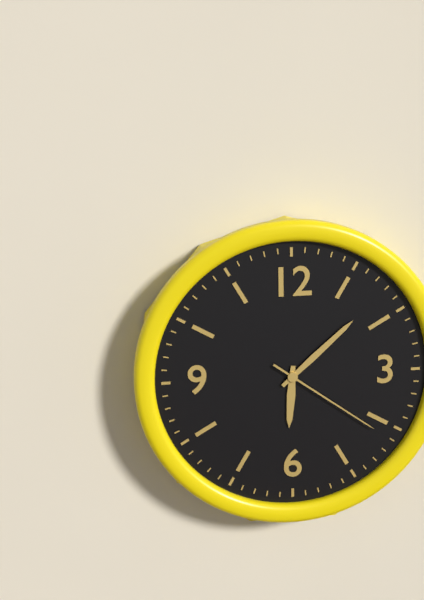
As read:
6,08,21
